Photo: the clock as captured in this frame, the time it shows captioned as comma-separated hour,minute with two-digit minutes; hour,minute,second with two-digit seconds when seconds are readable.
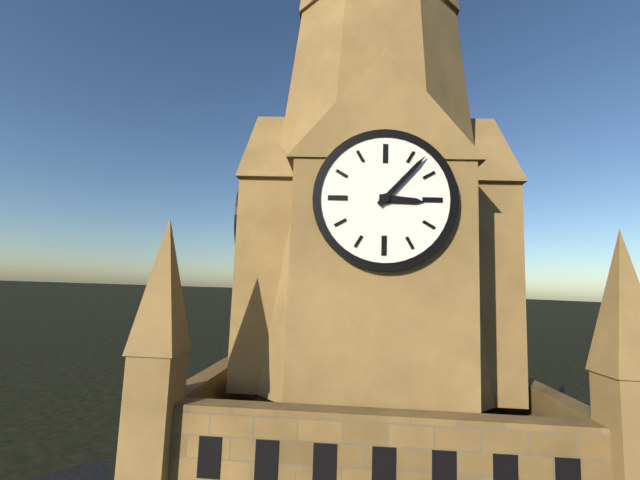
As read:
3,07
